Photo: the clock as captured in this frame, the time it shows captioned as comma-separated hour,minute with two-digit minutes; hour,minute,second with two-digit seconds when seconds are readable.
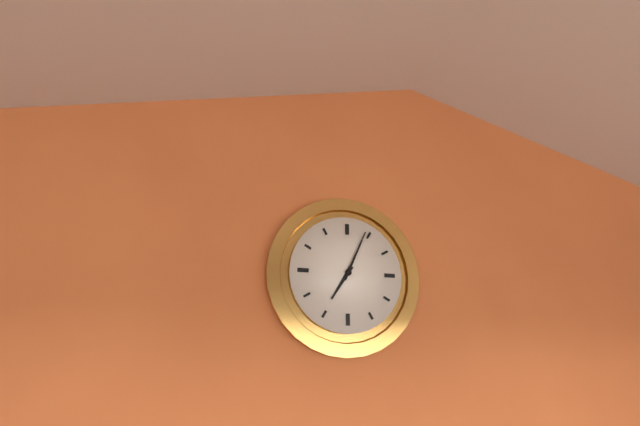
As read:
7,04
